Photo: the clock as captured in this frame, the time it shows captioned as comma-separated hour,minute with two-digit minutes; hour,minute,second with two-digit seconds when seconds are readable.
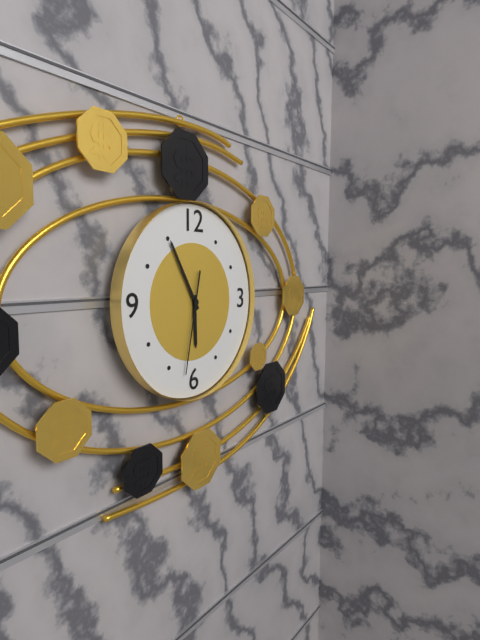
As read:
5,55,32
